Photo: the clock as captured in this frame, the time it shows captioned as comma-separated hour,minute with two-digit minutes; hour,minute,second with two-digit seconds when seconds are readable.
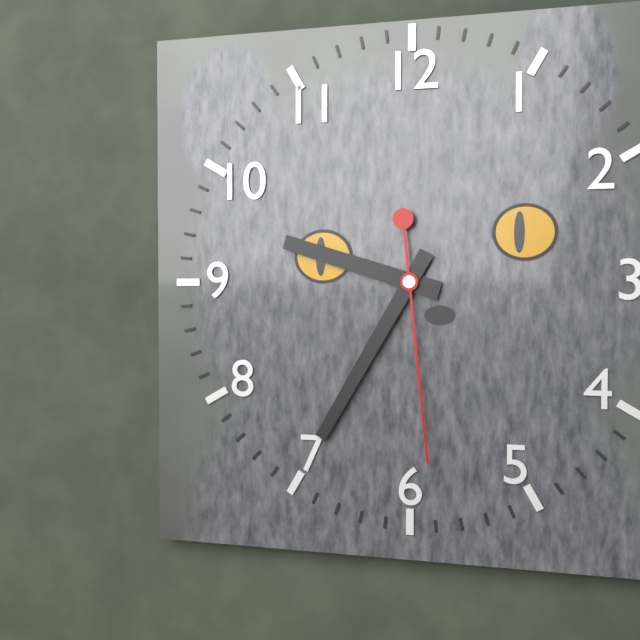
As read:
9,35,29
